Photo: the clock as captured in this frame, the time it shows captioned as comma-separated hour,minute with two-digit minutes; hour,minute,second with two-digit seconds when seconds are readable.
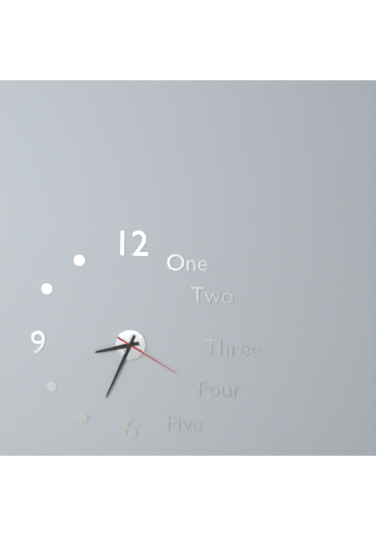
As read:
8,34,20
